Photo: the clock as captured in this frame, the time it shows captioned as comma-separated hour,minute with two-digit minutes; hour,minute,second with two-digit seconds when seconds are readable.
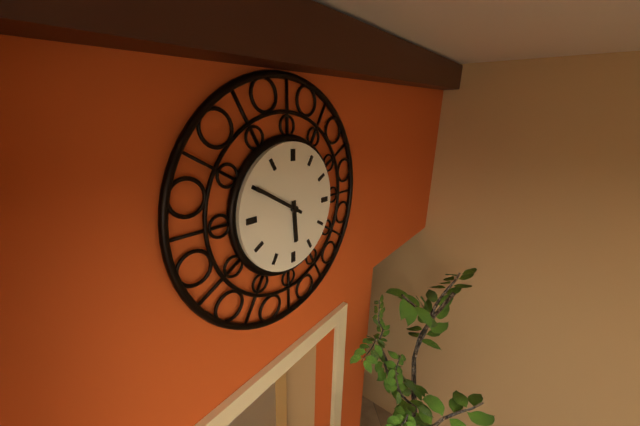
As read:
5,50
